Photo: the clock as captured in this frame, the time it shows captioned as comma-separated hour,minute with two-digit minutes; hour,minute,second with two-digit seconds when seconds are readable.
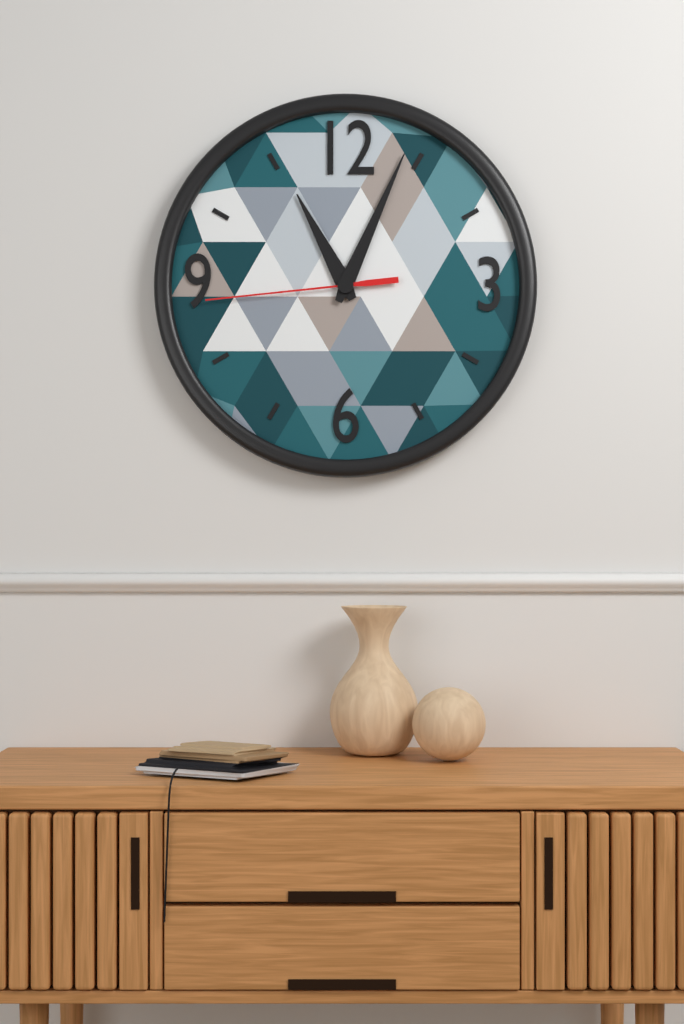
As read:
11,04,44
